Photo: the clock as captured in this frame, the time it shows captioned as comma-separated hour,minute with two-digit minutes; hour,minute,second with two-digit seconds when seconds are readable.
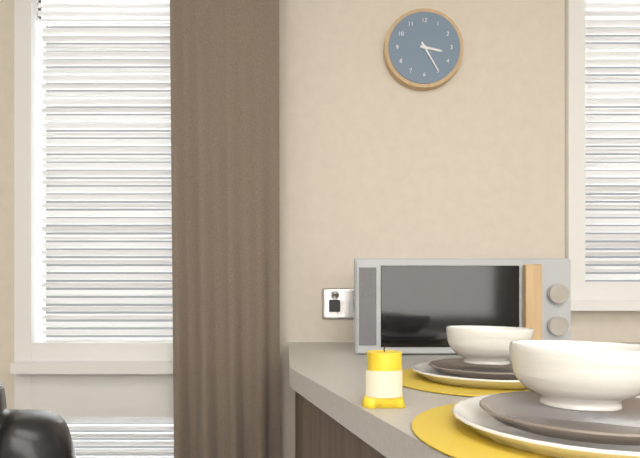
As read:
3,25
